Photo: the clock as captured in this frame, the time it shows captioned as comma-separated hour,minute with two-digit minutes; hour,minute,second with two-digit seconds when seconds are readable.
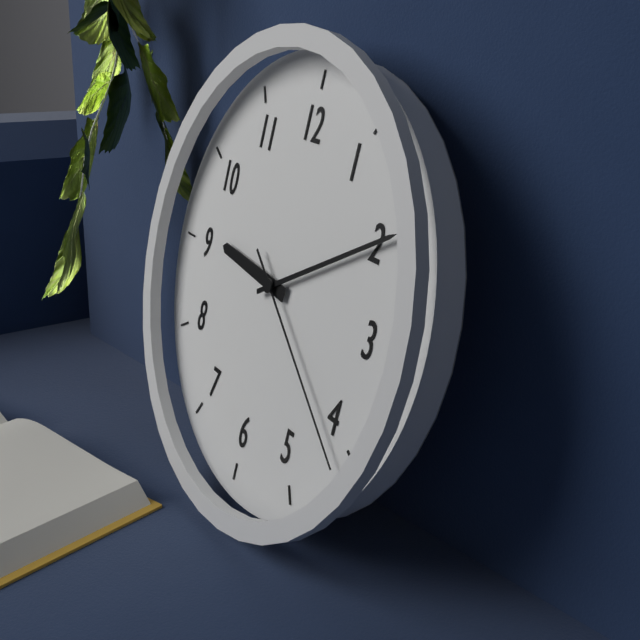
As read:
9,10,21
